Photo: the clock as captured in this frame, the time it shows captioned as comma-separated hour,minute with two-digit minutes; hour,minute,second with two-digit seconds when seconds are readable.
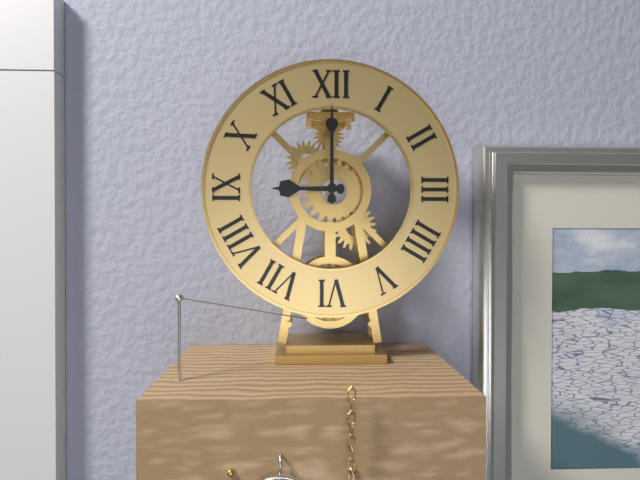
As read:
9,00
